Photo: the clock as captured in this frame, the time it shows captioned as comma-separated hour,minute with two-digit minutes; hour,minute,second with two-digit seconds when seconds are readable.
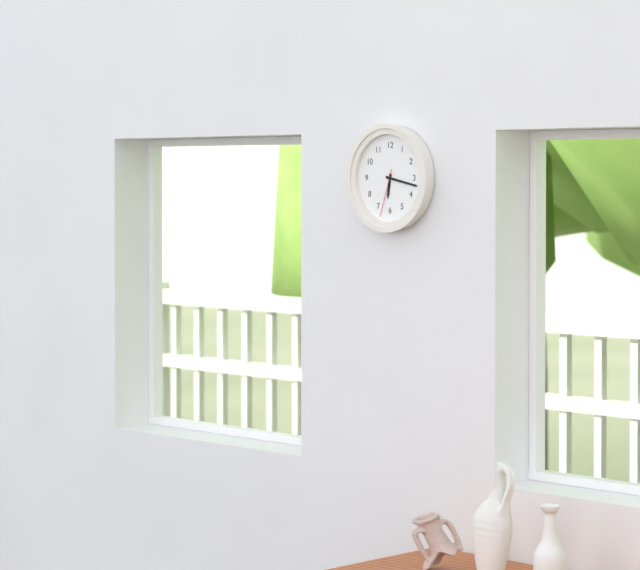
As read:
6,17
